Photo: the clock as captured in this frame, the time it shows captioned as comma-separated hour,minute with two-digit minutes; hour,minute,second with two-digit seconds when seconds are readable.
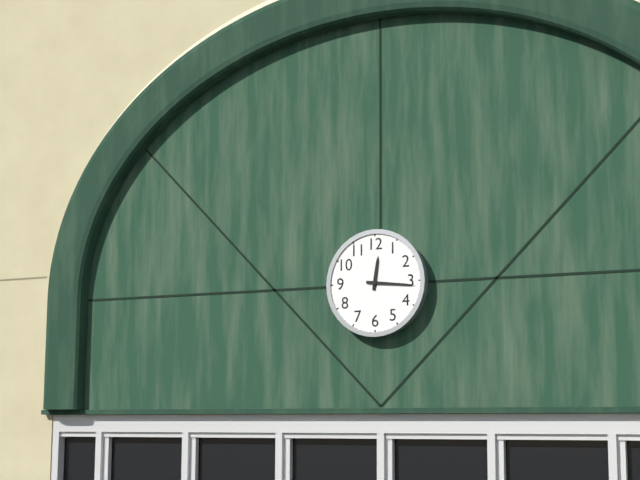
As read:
12,16
